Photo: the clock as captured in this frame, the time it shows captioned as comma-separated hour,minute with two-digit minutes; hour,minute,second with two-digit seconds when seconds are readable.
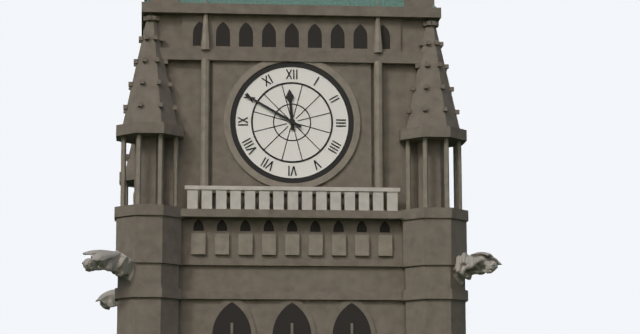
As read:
11,50
